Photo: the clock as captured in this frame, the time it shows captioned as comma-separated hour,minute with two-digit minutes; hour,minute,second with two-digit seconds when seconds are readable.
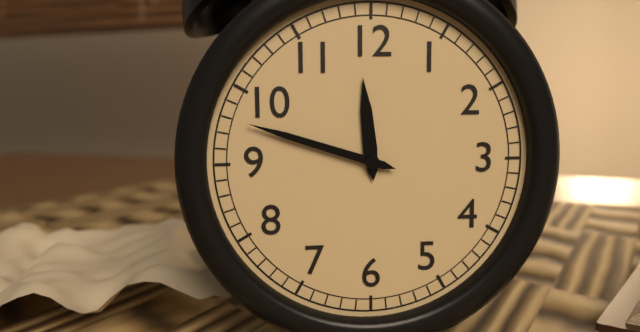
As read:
11,48
